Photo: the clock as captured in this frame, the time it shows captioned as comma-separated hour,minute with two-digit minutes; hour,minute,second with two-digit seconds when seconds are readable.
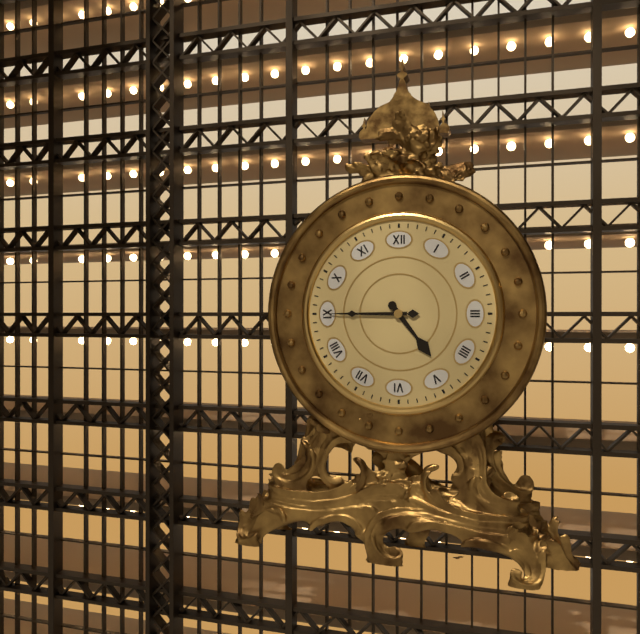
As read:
4,45
